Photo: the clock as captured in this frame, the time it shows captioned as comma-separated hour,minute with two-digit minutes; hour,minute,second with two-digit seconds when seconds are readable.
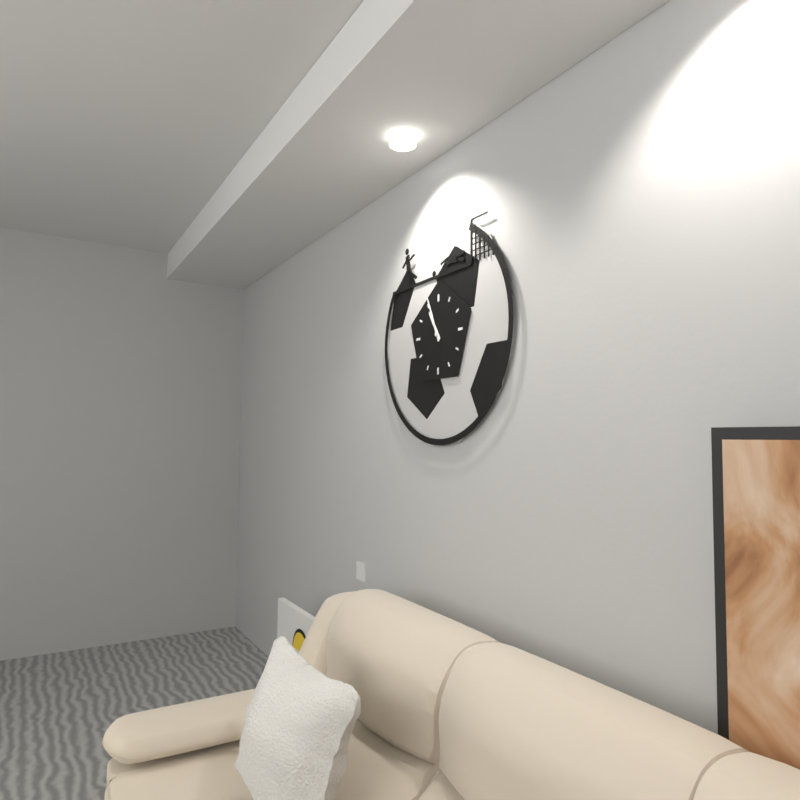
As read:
10,56
